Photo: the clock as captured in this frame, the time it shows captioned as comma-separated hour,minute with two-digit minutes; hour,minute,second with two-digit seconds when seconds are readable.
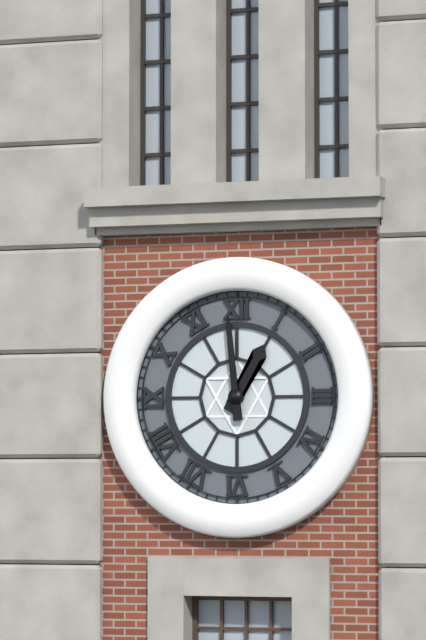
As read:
12,59
